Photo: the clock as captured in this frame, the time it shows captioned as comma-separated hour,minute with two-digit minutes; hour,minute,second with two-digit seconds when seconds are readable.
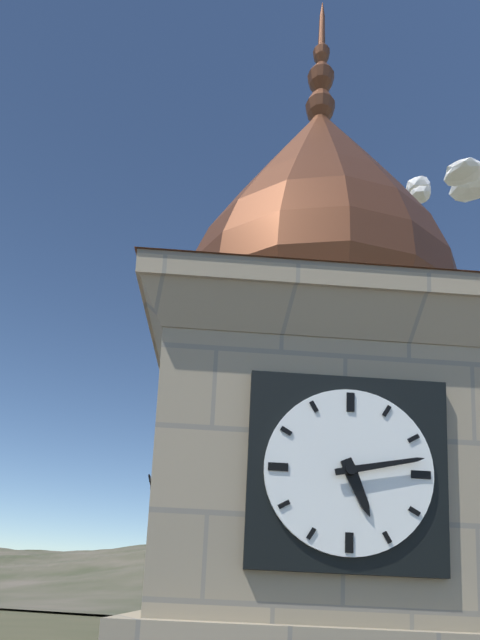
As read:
5,13
